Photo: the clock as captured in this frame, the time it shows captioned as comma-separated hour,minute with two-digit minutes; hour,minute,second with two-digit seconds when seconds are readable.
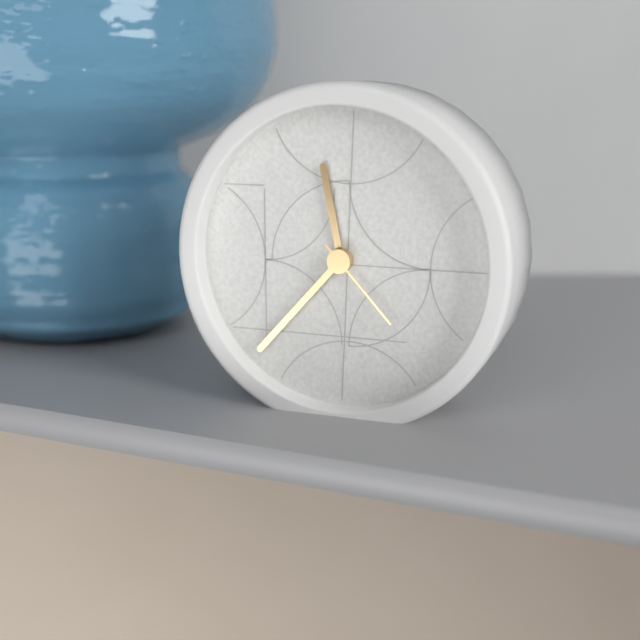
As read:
11,37,23
